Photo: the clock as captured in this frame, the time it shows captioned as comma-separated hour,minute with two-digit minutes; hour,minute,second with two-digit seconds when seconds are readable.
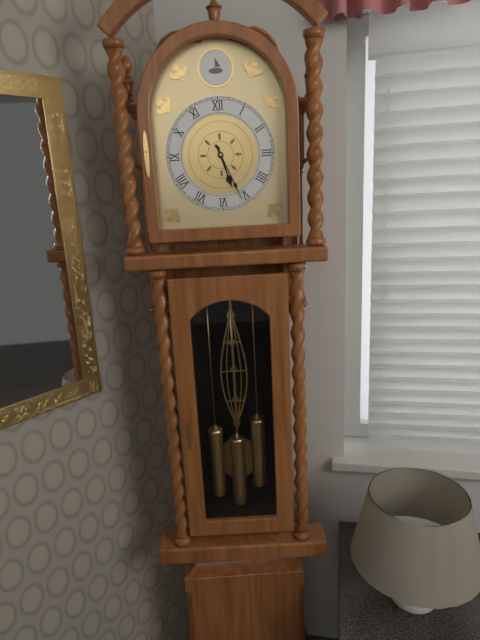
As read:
5,26
